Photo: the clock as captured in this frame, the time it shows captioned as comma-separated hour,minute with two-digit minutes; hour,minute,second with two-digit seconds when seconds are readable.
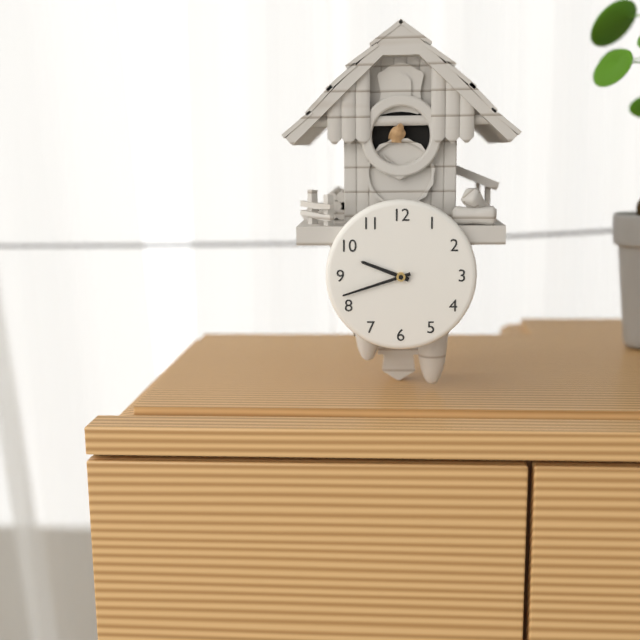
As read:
9,42
